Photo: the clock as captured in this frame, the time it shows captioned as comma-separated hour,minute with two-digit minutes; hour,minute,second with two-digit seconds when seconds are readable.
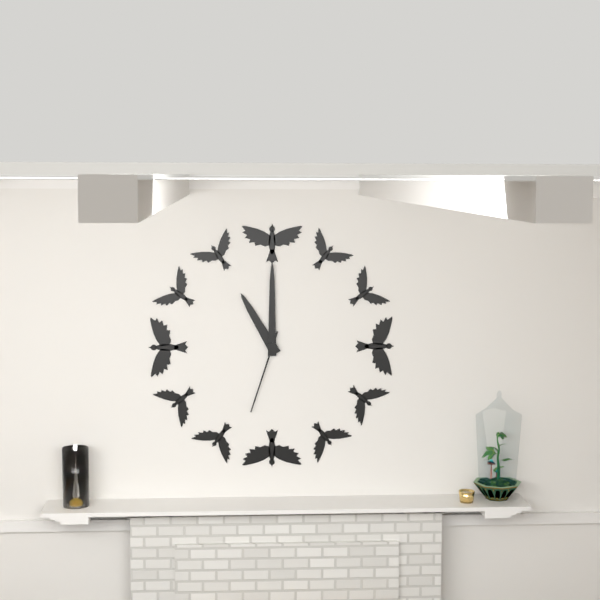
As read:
11,00,33
